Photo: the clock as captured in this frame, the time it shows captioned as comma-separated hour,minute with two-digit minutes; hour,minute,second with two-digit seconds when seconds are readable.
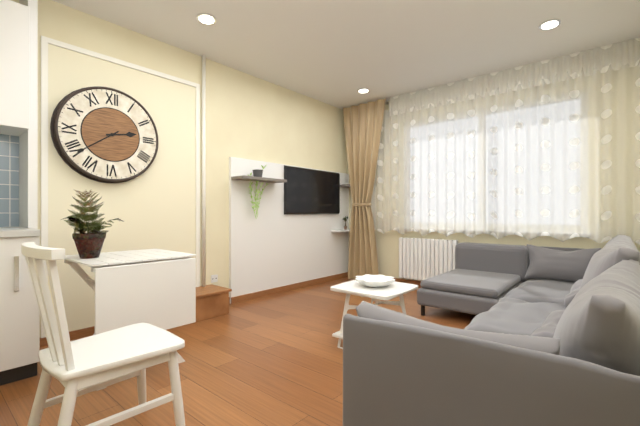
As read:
2,39
